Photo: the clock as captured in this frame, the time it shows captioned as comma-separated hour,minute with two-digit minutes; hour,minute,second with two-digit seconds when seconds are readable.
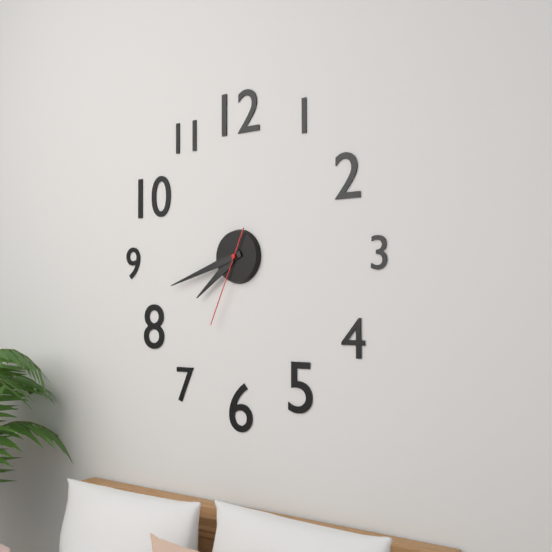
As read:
7,42,34
